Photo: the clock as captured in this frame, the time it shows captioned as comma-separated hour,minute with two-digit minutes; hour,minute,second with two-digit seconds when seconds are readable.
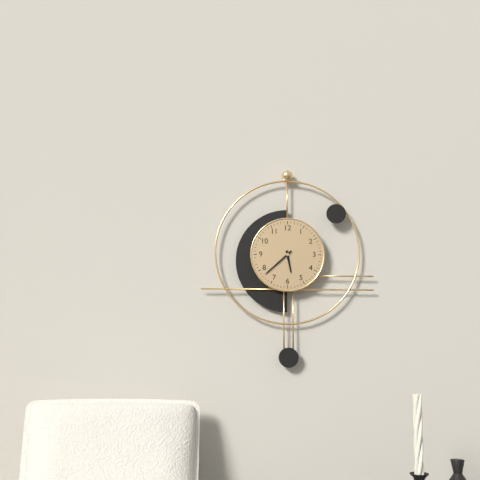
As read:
5,38
